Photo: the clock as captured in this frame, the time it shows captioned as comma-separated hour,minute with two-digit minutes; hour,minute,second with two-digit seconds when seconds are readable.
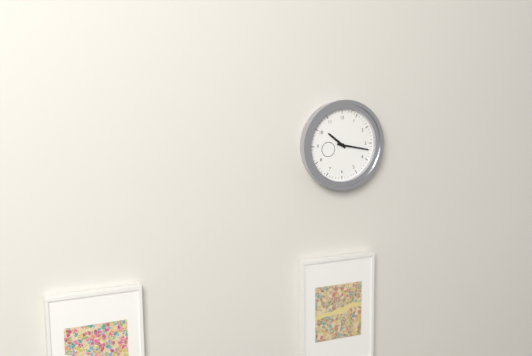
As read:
10,17
